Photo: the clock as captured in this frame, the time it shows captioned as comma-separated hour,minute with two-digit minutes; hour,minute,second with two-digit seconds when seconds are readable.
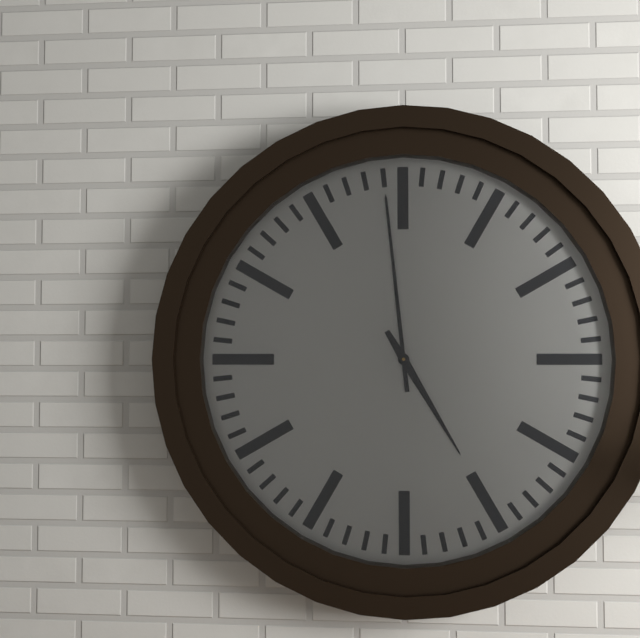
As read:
4,59
